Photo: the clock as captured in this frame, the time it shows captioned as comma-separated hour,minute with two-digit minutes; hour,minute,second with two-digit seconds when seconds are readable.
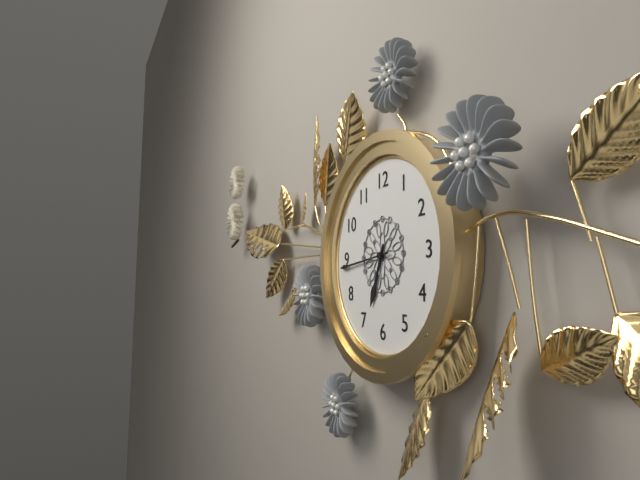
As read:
6,44
